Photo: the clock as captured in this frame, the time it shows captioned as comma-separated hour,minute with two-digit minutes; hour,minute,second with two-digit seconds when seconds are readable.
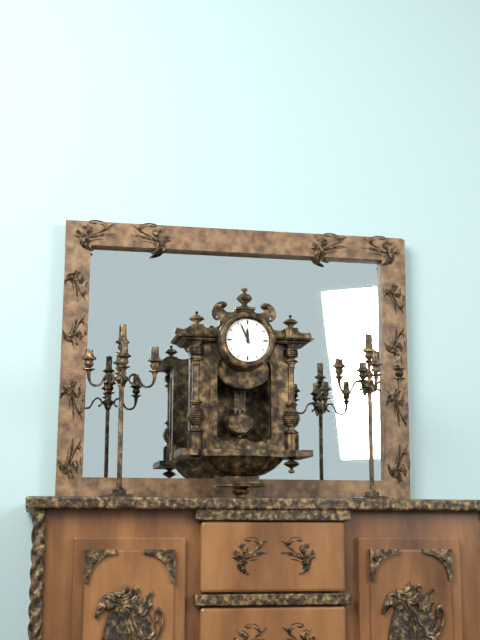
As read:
11,56
